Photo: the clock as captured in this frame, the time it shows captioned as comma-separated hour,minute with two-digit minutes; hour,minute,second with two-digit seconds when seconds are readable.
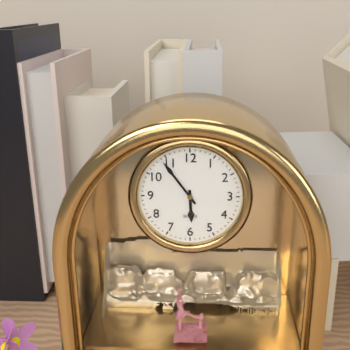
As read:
5,54
